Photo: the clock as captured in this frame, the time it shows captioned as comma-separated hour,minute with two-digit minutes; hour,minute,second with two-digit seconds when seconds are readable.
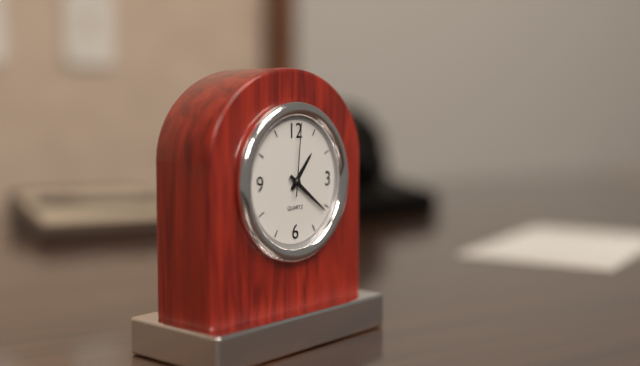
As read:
1,21,01
